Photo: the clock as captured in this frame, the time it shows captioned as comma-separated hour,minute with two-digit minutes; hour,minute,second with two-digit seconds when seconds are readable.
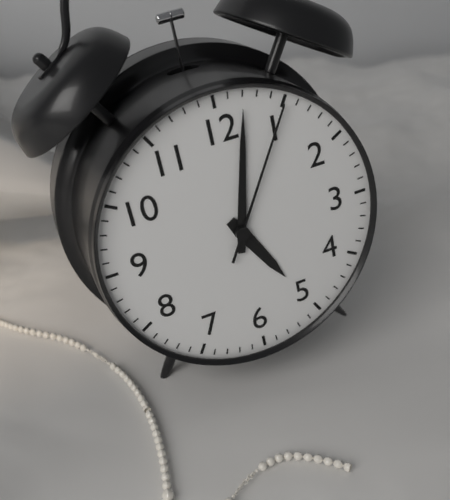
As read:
5,02,05
